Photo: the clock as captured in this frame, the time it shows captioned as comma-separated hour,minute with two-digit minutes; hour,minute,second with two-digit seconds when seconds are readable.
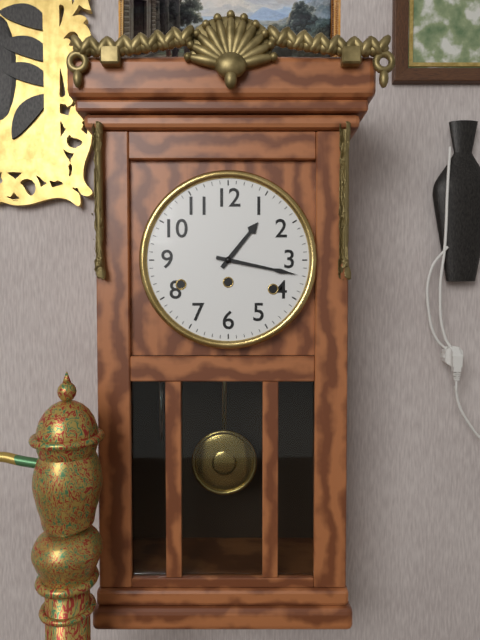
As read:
1,17
